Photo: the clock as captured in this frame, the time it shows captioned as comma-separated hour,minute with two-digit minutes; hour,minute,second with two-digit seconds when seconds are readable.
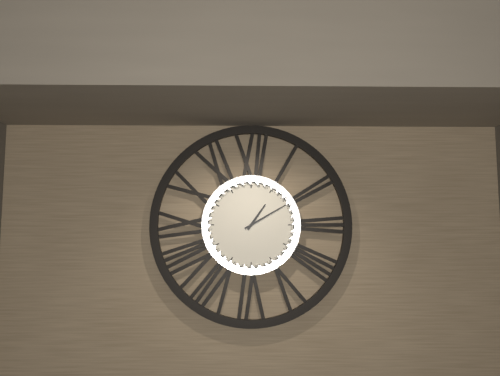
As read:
1,10
